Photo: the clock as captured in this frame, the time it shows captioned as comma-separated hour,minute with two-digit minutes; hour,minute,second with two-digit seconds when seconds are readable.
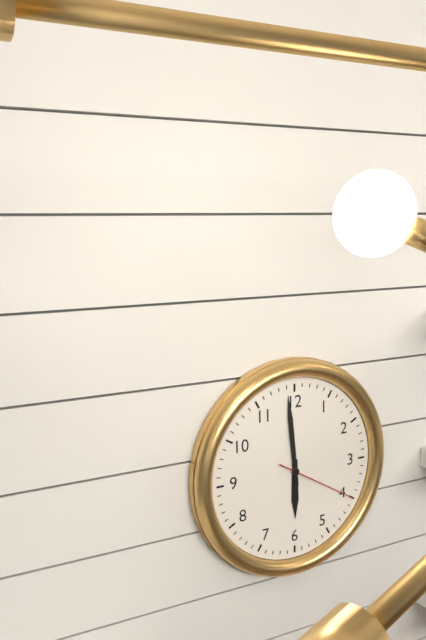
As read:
5,59,20
